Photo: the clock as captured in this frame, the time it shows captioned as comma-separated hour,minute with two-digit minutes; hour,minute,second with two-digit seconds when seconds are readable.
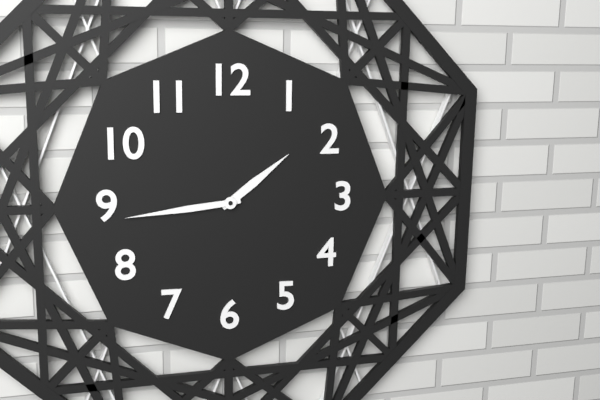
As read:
1,44
